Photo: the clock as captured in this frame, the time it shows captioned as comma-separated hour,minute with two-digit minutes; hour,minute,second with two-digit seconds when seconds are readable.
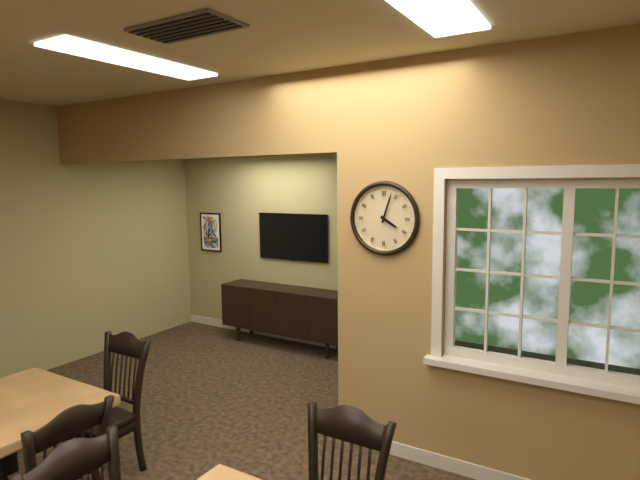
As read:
4,03
